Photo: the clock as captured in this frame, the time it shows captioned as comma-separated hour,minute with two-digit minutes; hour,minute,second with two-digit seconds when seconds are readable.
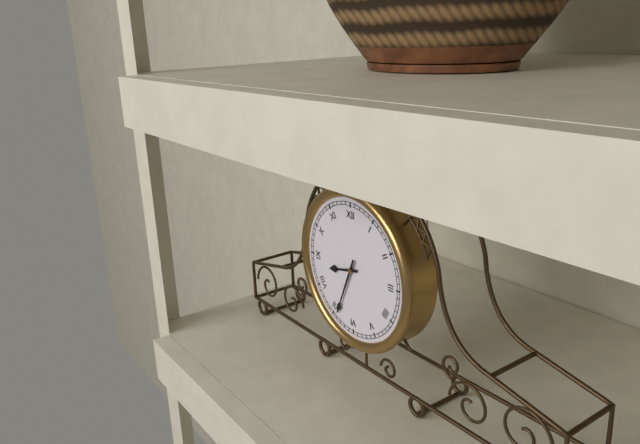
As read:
8,34
